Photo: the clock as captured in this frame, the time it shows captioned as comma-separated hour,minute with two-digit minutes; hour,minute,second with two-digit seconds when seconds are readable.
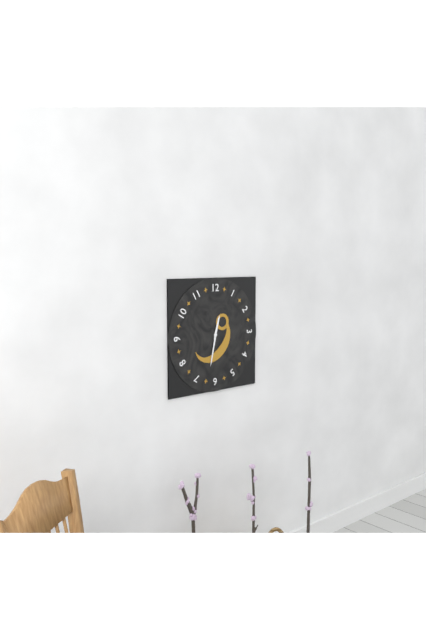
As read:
12,32
